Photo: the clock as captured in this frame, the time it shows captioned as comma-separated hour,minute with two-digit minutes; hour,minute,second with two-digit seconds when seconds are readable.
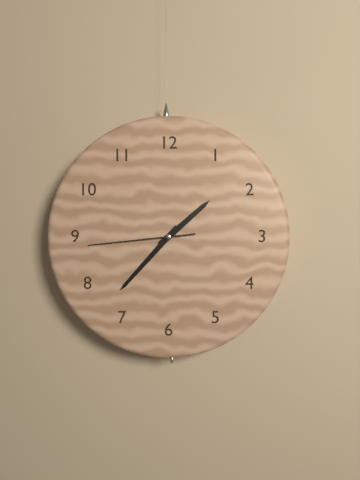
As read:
1,37,44
